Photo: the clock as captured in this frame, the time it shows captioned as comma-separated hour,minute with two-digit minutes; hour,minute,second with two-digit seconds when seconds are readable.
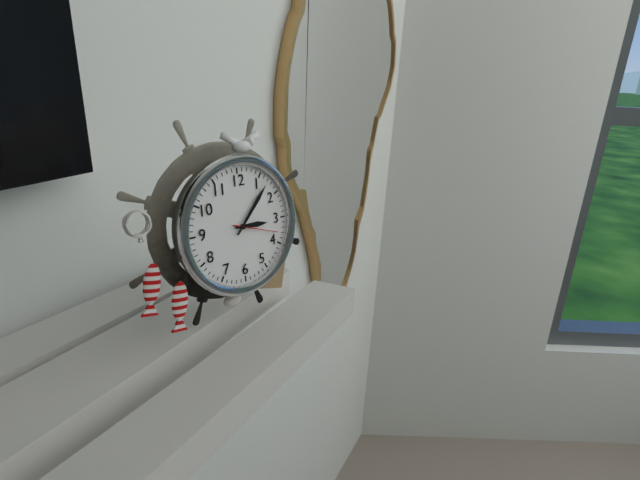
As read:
3,07
